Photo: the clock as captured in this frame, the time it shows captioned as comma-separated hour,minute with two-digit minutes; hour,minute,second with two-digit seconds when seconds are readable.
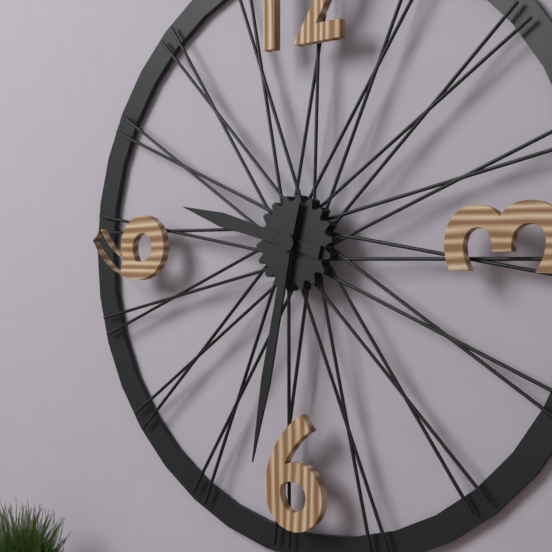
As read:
9,32
